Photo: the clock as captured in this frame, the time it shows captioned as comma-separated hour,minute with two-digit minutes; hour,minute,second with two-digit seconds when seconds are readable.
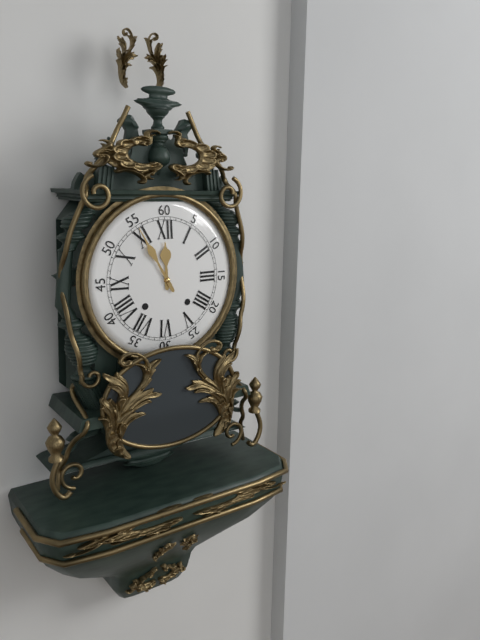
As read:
11,55
